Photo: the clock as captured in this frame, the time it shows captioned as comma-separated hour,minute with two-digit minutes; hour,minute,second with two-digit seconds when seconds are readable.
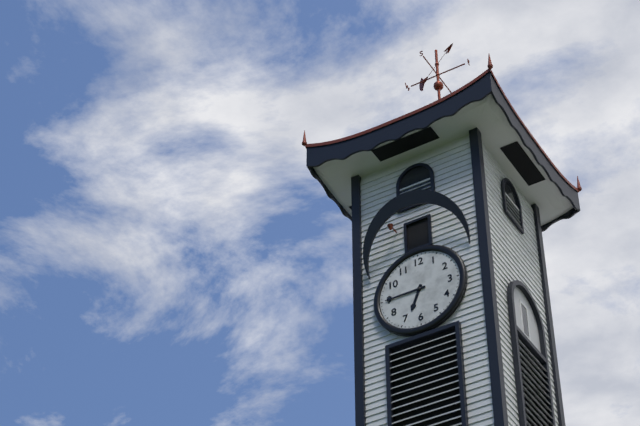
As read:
6,45
